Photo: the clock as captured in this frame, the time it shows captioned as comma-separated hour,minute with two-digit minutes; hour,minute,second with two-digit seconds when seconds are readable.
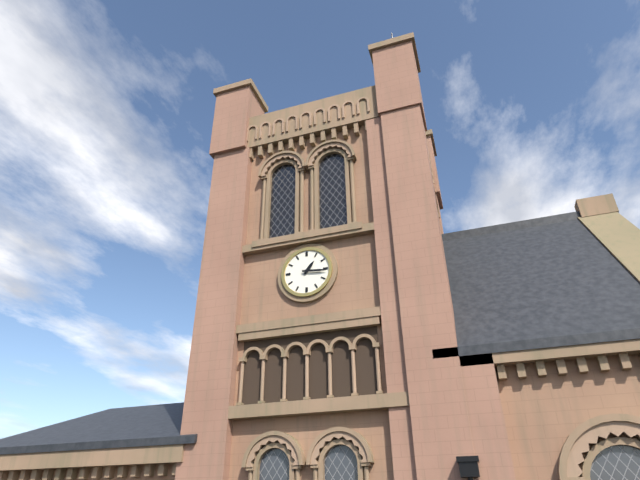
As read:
1,16
